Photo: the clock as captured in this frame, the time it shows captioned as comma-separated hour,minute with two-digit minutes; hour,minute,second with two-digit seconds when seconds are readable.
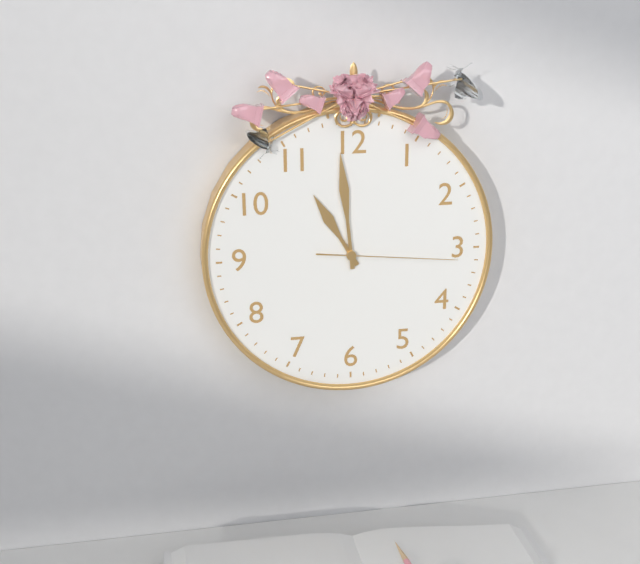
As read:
10,59,16
